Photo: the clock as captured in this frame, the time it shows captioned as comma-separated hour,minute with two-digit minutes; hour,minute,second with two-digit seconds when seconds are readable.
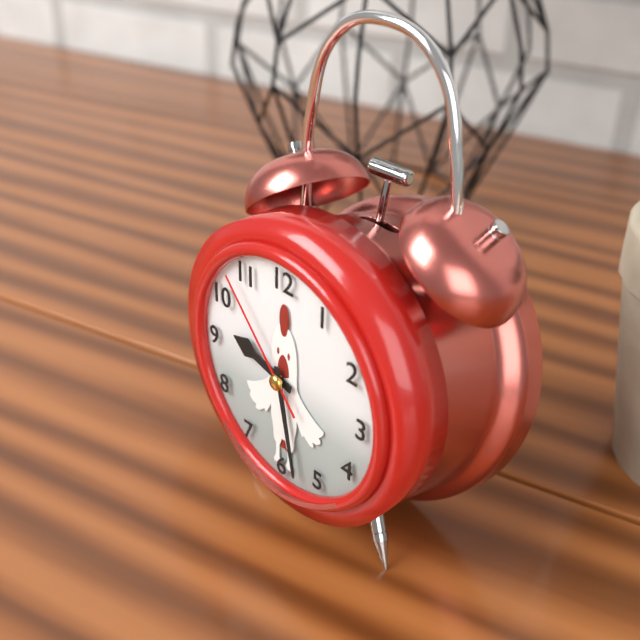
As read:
9,28,53
